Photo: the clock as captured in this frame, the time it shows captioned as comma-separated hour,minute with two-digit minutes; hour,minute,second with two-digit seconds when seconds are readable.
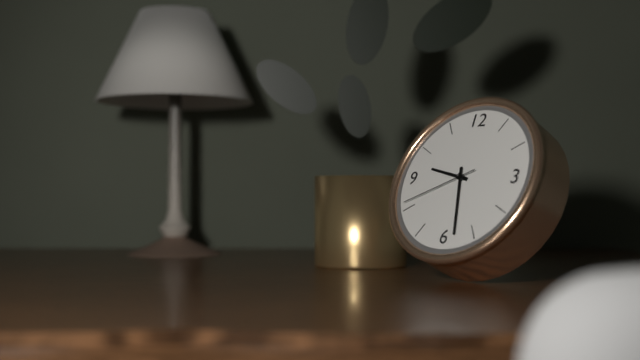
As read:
9,28,41
